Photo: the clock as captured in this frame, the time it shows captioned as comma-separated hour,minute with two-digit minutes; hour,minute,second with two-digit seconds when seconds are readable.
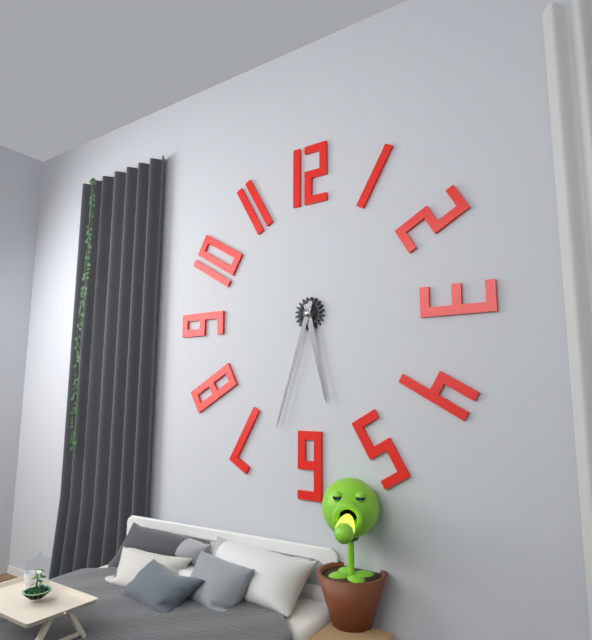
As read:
5,33
